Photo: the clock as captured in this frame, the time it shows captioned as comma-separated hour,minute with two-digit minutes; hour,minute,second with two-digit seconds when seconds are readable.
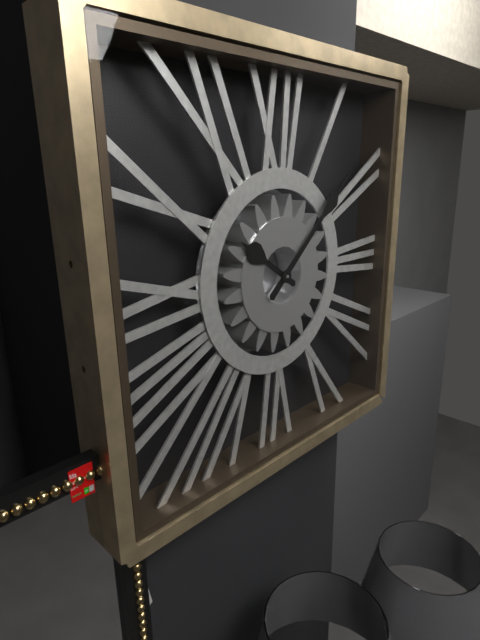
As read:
10,08
